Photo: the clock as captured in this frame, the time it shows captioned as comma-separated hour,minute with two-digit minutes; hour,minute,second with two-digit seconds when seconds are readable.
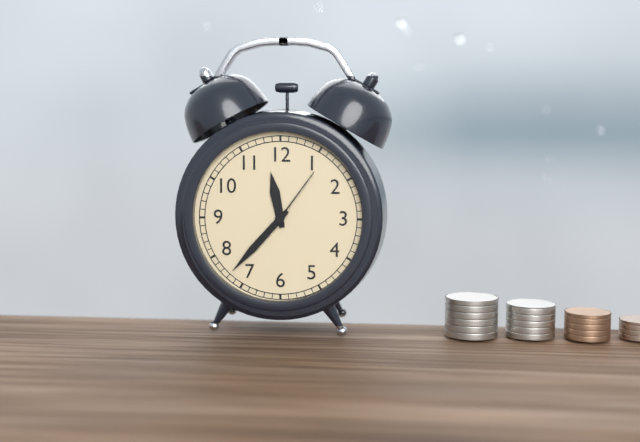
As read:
11,37,06
